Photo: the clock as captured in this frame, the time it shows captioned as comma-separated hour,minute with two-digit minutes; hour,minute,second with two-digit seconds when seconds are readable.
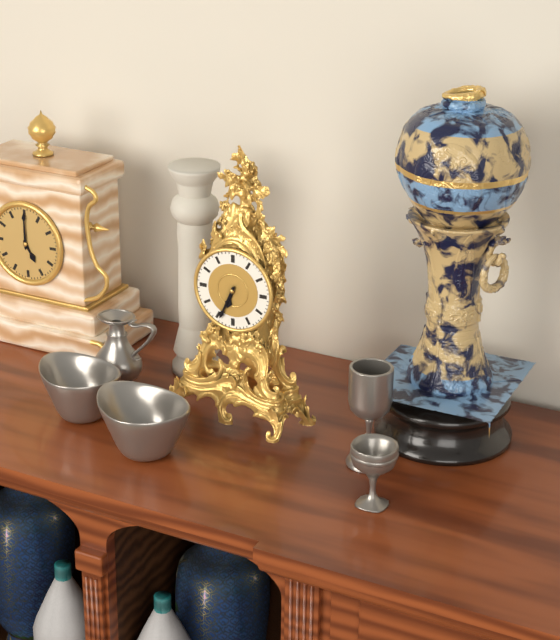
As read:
6,34
